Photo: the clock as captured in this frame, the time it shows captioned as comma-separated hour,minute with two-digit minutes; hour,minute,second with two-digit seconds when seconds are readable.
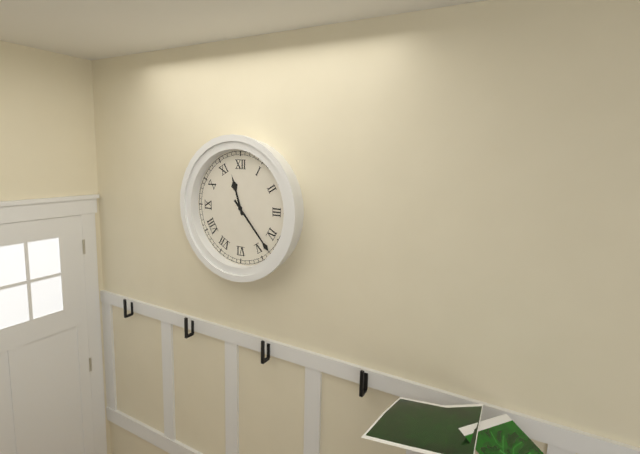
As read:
11,23
